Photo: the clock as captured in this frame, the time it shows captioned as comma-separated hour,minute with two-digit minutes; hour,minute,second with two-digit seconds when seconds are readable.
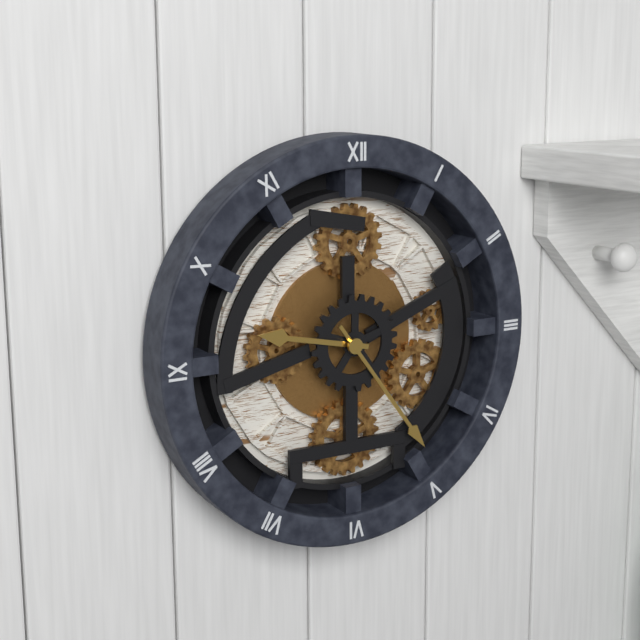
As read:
9,24
